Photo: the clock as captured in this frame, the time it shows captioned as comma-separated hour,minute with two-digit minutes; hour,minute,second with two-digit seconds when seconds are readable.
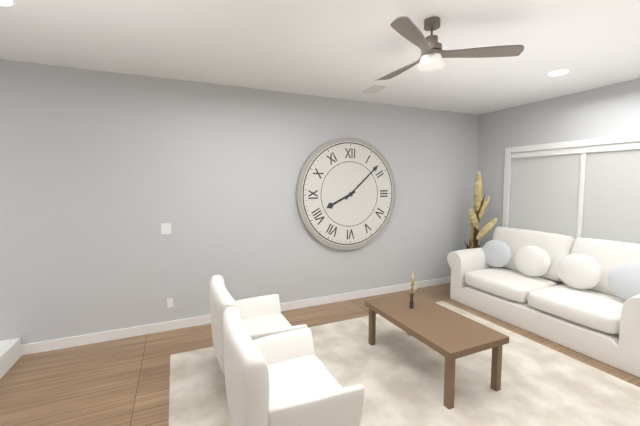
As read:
8,08
